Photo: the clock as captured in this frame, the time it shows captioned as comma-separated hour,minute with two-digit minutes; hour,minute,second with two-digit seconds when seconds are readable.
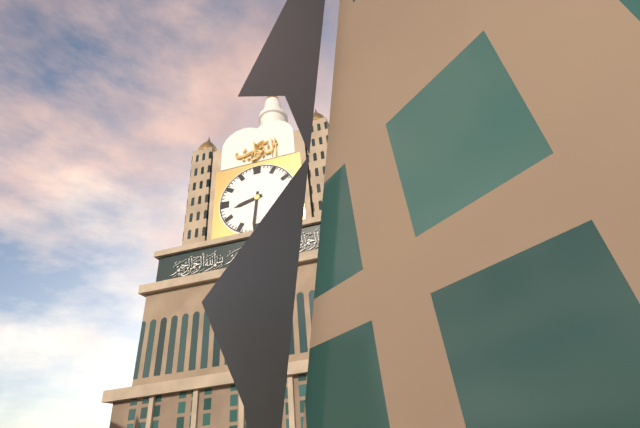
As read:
8,31
